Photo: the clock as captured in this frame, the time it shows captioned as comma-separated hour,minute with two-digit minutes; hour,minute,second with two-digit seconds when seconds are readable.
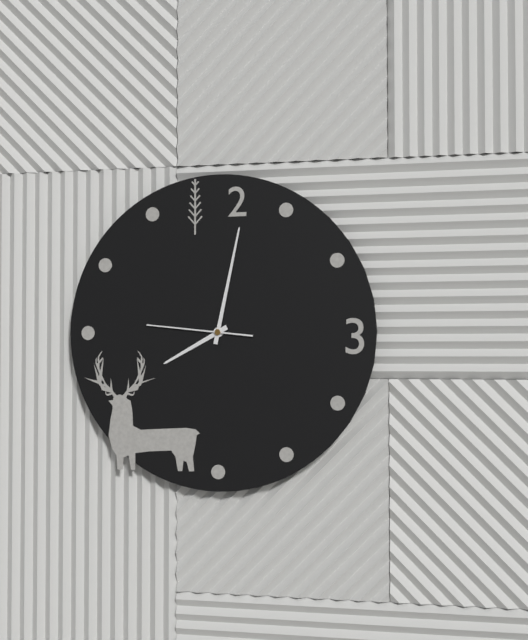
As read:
8,02,46
